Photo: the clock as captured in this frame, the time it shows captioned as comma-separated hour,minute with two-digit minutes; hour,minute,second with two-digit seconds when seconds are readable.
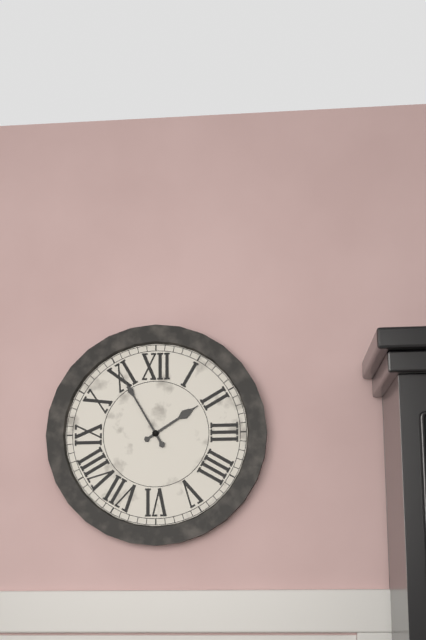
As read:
1,55
